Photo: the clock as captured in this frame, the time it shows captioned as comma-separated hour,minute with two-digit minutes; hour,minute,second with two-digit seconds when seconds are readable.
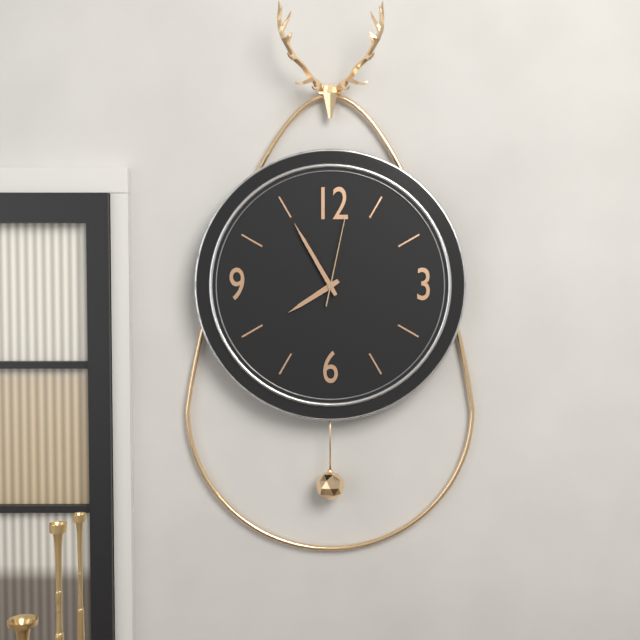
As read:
7,55,02
